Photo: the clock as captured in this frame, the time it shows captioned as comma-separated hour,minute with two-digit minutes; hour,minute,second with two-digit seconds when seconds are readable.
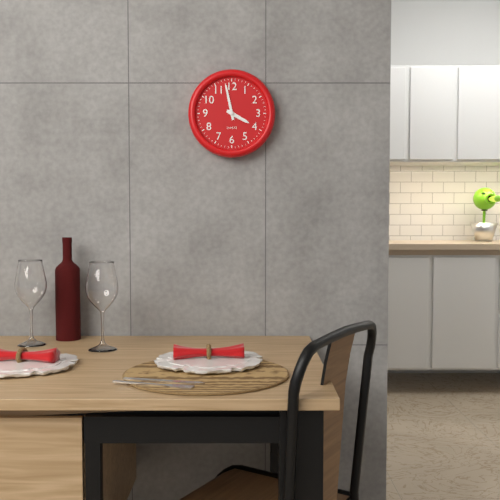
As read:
3,58
